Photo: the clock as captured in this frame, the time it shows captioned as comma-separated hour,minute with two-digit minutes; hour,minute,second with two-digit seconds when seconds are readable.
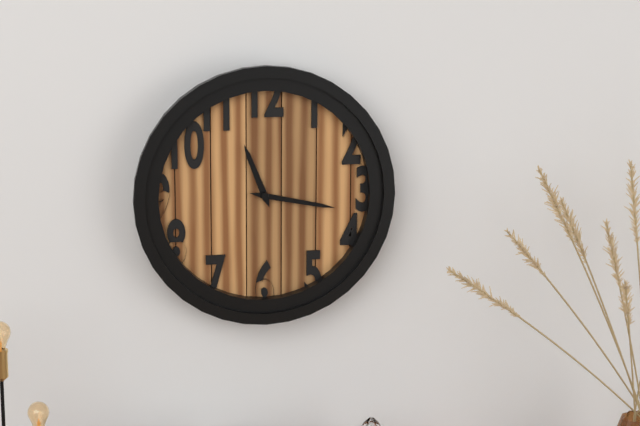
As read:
11,17
